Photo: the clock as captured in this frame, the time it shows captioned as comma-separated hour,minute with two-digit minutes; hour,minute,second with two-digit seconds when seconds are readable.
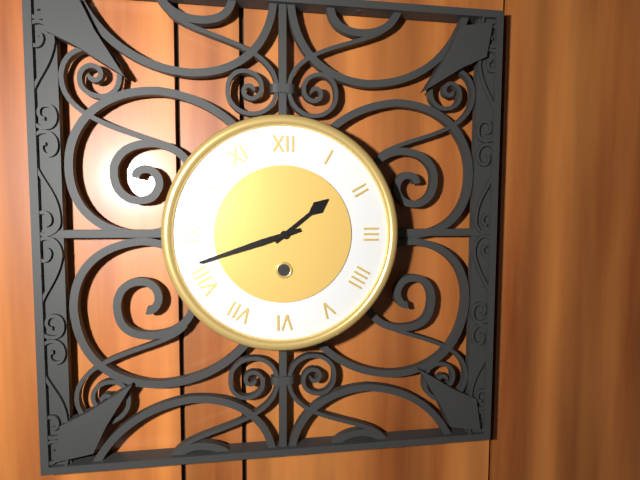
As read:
1,42
